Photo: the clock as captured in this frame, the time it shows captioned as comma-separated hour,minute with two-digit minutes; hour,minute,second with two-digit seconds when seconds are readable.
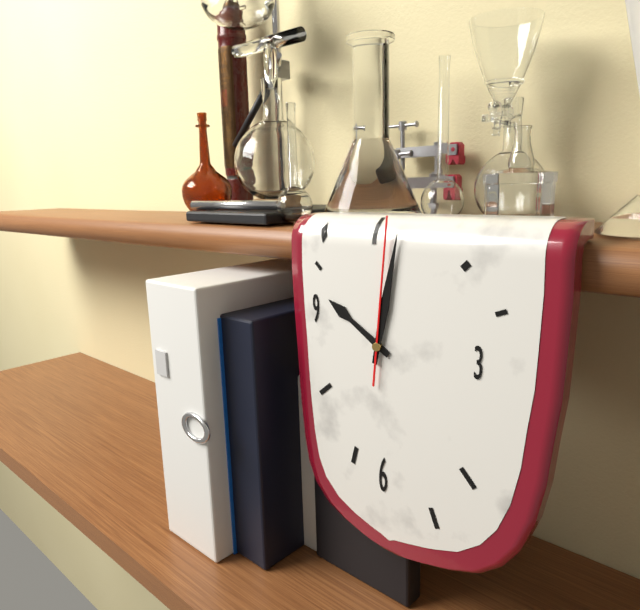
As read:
10,02,01
